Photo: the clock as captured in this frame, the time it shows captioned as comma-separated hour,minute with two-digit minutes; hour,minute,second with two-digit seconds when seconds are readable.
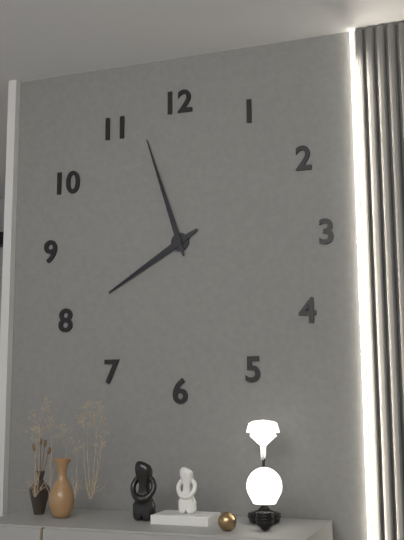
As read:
7,57
